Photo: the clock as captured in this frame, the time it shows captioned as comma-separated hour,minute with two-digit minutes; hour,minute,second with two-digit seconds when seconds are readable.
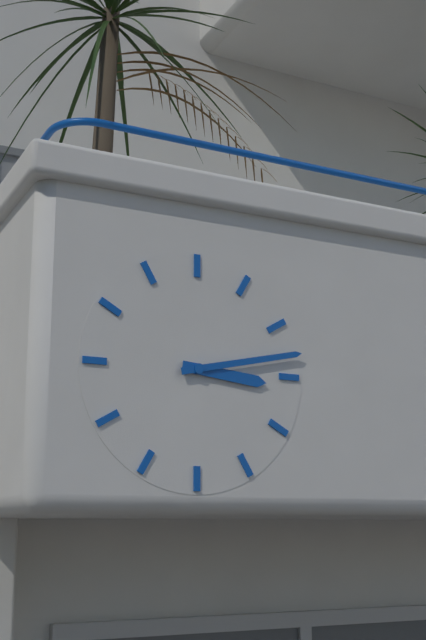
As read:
3,13
